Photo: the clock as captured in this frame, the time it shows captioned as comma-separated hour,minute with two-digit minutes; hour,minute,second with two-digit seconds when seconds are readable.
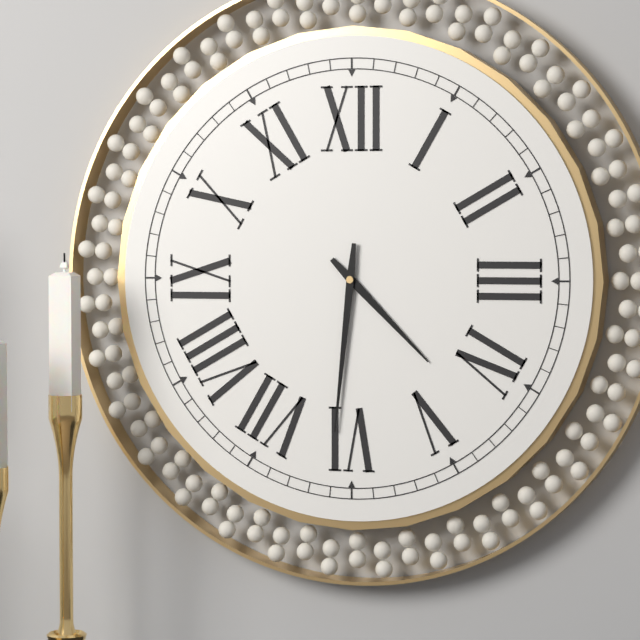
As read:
4,31
